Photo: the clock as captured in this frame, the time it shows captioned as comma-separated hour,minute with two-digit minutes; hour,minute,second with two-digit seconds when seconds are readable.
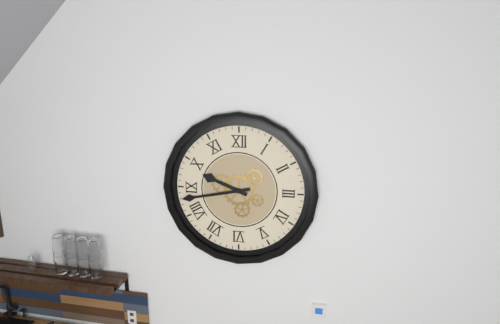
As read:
9,43
